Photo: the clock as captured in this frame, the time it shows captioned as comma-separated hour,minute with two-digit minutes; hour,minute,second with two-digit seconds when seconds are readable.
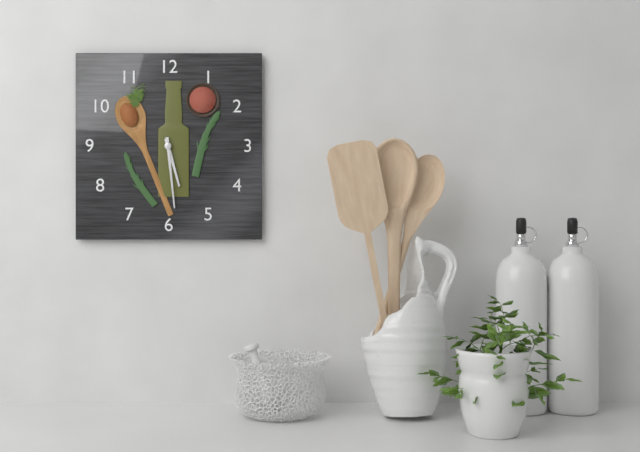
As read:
5,29
